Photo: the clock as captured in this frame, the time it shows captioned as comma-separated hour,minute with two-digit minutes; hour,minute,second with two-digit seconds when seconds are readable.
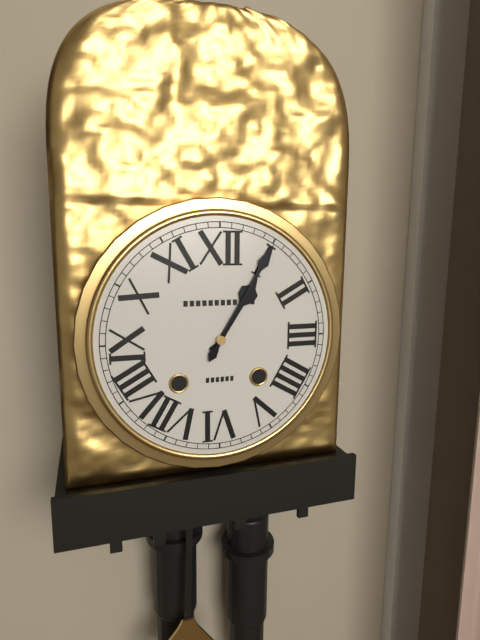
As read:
1,05
